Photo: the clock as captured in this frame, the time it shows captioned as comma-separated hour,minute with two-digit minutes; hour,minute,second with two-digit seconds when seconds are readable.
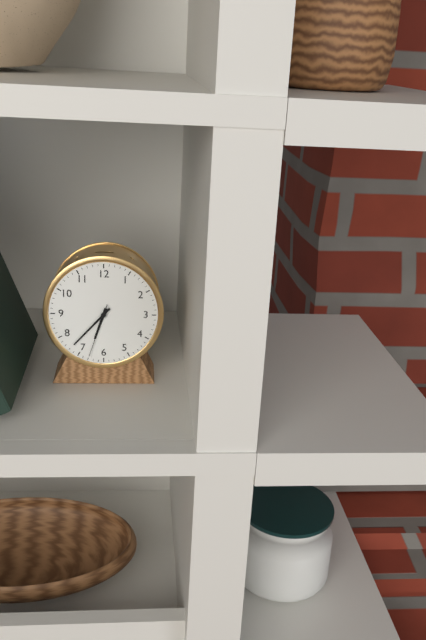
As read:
6,37,33
